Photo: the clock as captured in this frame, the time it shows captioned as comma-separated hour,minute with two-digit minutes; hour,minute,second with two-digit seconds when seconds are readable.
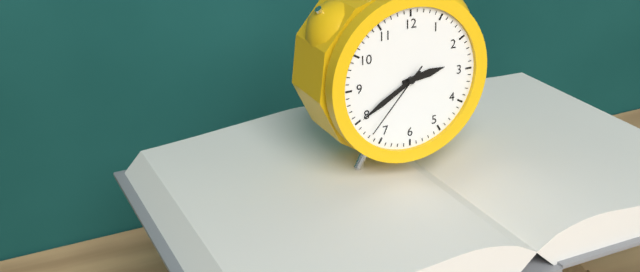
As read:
2,40,37
